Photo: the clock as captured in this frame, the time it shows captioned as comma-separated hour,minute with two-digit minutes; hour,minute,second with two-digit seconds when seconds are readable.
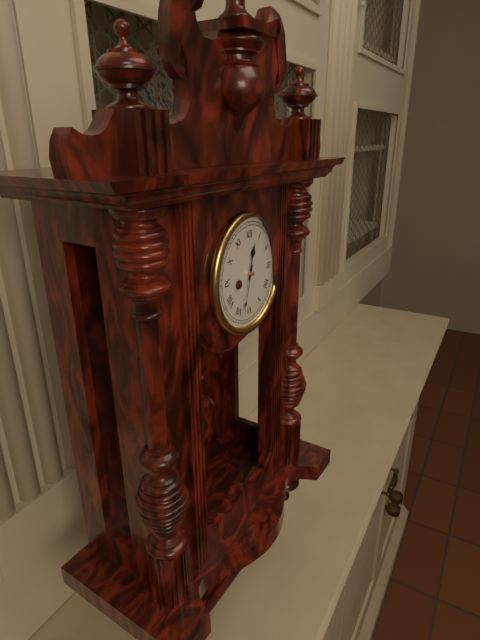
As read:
12,33
